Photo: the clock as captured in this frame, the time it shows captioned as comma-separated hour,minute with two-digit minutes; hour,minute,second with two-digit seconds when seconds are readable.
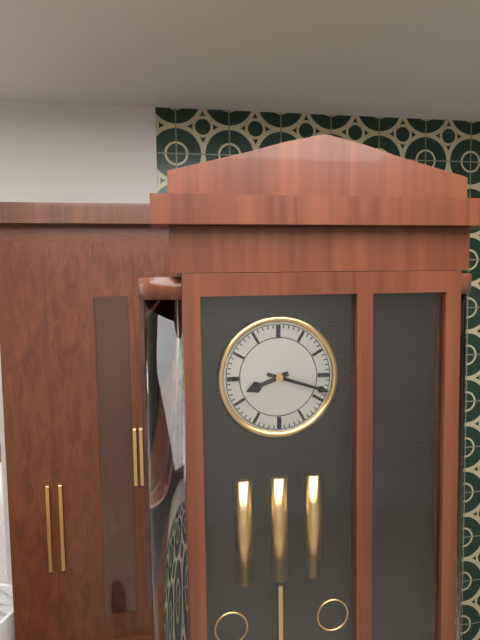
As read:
8,18
